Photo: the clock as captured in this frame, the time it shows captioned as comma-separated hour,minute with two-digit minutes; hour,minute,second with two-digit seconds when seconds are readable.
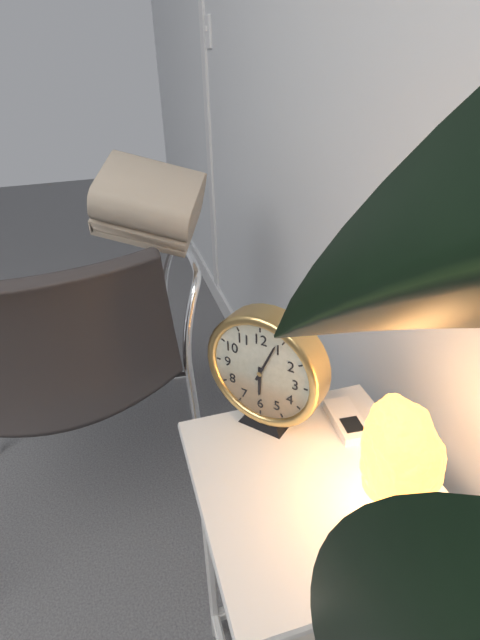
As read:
6,04
